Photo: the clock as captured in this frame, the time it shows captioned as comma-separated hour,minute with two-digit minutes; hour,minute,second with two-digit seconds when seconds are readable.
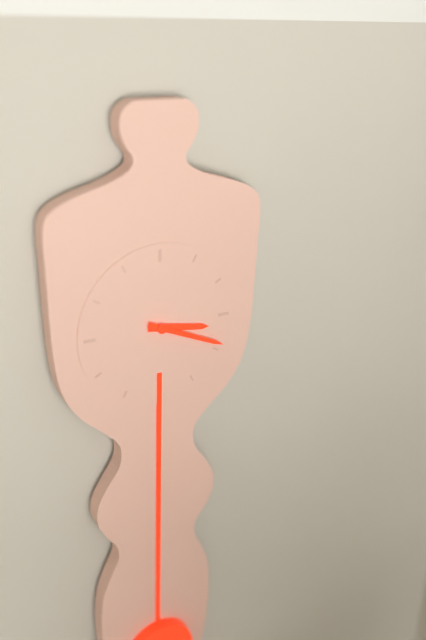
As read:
3,19
